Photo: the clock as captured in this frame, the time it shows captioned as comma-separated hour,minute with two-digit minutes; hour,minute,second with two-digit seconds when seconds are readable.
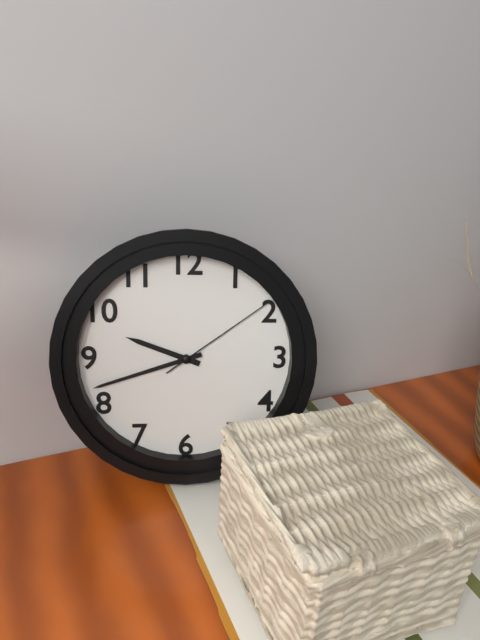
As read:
9,42,09
